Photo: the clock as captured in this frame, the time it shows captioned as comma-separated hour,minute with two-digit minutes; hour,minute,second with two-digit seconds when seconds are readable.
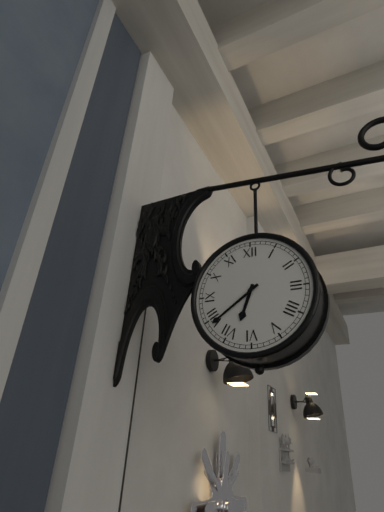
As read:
6,39
